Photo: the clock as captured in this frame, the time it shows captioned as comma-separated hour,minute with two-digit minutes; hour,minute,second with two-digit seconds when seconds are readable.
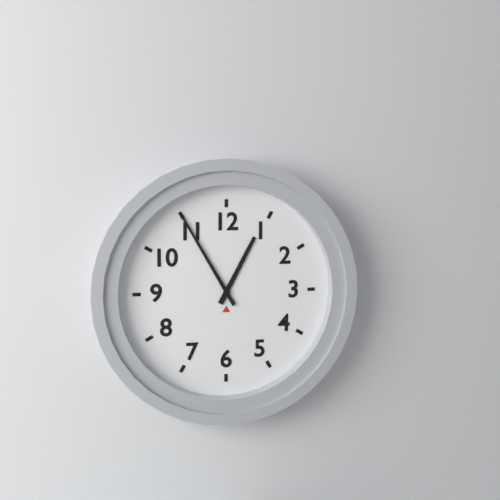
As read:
12,55
